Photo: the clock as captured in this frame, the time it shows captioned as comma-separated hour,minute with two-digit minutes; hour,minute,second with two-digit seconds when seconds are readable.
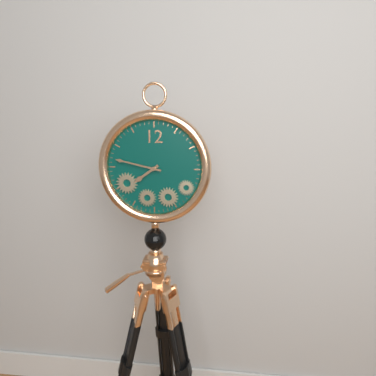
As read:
7,47
